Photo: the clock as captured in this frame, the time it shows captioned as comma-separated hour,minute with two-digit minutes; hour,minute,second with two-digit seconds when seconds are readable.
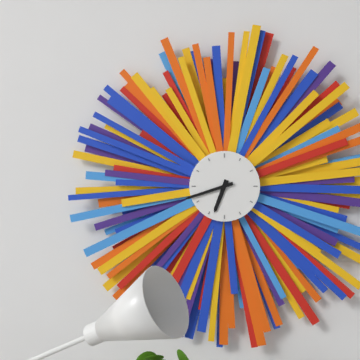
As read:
6,42
